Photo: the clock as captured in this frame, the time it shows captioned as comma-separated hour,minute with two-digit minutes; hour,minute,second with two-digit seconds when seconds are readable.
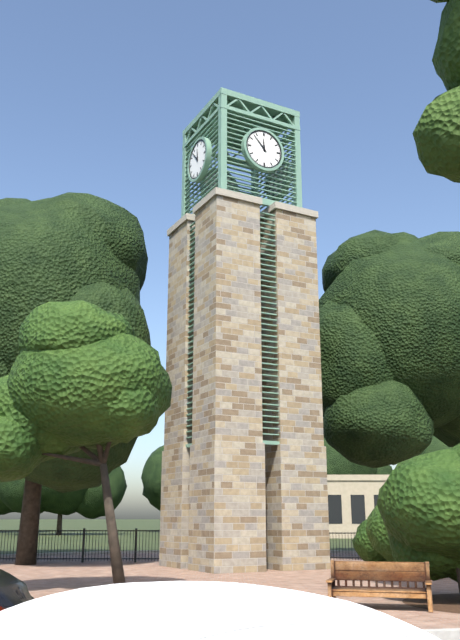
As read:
11,53
